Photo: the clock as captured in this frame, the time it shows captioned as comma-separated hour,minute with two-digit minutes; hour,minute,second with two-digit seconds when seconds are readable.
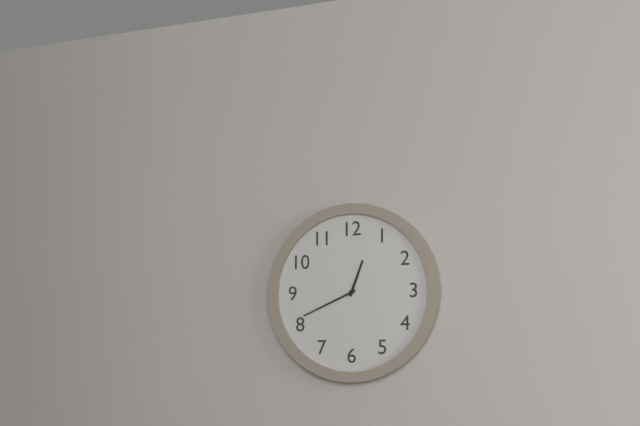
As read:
12,41
